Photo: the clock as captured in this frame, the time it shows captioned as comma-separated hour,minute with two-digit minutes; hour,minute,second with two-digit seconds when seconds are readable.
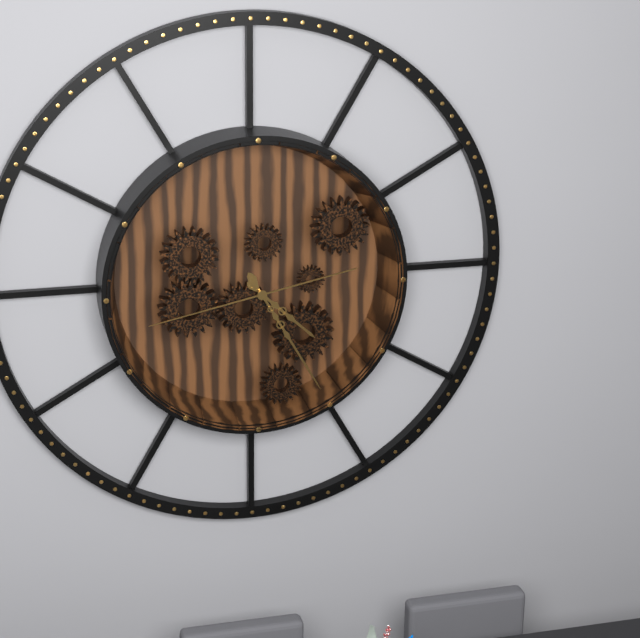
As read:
4,25,43
